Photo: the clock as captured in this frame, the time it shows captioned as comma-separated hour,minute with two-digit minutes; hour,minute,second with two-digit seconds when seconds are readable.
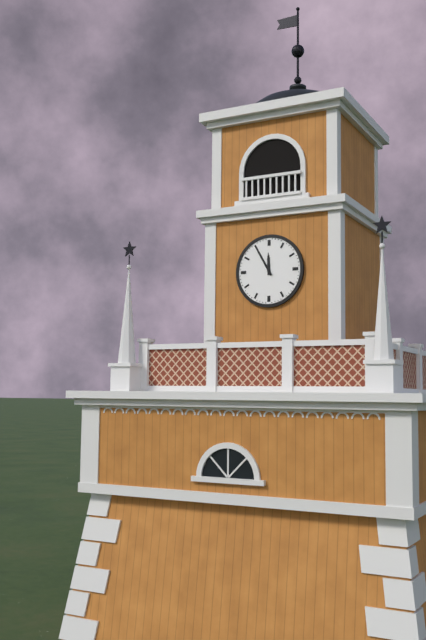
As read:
11,55
